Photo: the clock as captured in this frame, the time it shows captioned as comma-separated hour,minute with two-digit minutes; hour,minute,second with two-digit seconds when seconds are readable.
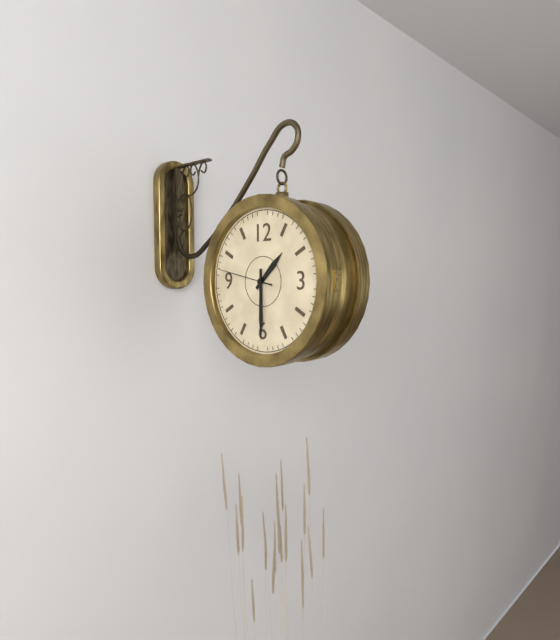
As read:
1,30,47
